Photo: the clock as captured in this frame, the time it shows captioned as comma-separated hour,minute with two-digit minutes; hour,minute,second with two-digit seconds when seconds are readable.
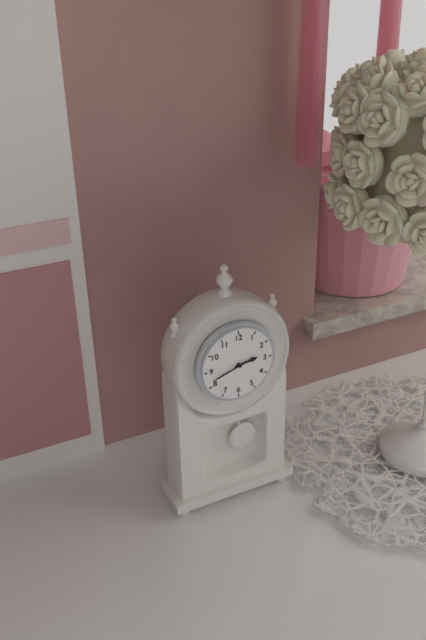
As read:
2,42
